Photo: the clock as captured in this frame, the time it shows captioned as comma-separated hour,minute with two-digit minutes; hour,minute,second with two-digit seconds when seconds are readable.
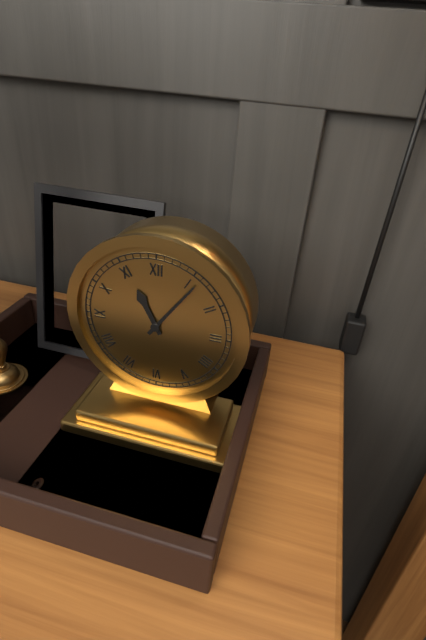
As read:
11,06
